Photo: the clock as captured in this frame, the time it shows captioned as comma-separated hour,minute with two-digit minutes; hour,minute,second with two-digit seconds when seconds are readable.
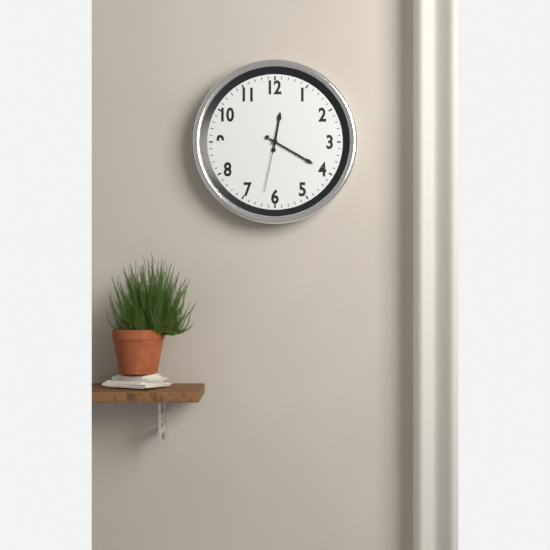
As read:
12,20,32
